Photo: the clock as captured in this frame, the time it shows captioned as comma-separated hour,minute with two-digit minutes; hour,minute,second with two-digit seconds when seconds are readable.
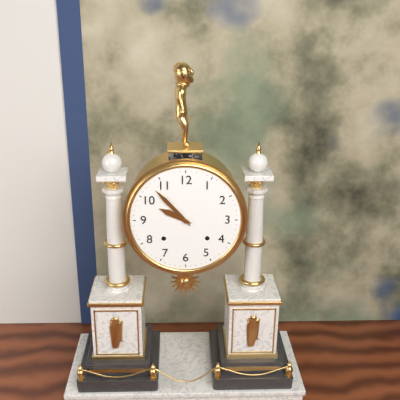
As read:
9,53
